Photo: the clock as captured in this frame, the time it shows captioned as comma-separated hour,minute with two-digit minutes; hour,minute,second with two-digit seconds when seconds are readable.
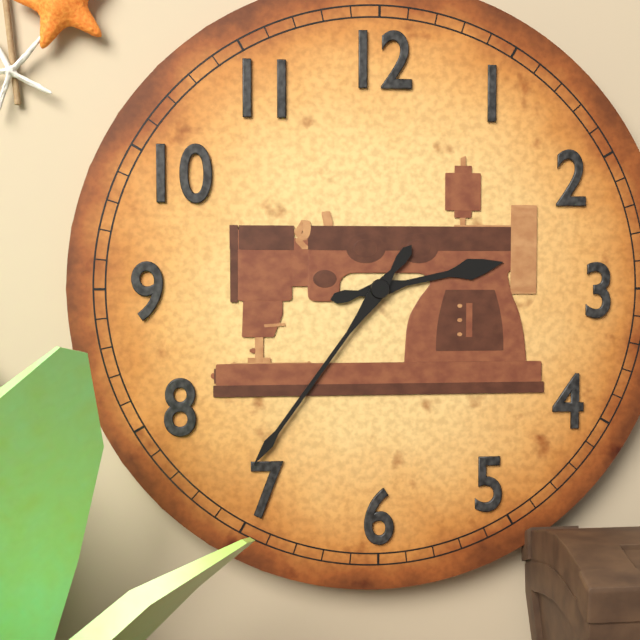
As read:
2,36
